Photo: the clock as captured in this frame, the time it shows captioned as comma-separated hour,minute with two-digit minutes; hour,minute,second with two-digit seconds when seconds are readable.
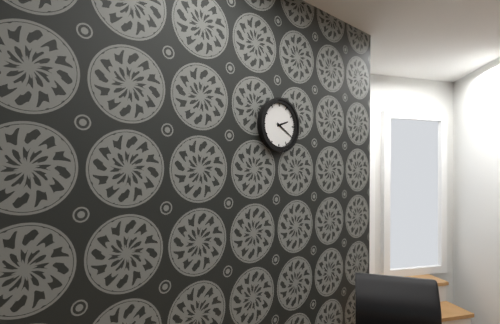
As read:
2,20
